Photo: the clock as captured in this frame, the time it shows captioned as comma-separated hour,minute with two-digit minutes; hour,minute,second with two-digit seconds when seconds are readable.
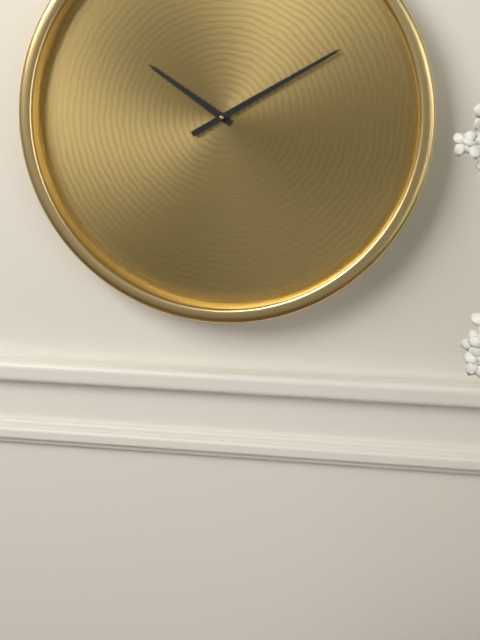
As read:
10,10
